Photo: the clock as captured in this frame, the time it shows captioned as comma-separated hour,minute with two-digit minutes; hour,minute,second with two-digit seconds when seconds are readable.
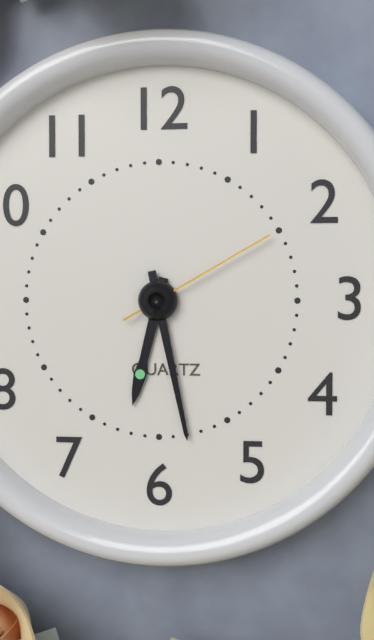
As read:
6,28,10
